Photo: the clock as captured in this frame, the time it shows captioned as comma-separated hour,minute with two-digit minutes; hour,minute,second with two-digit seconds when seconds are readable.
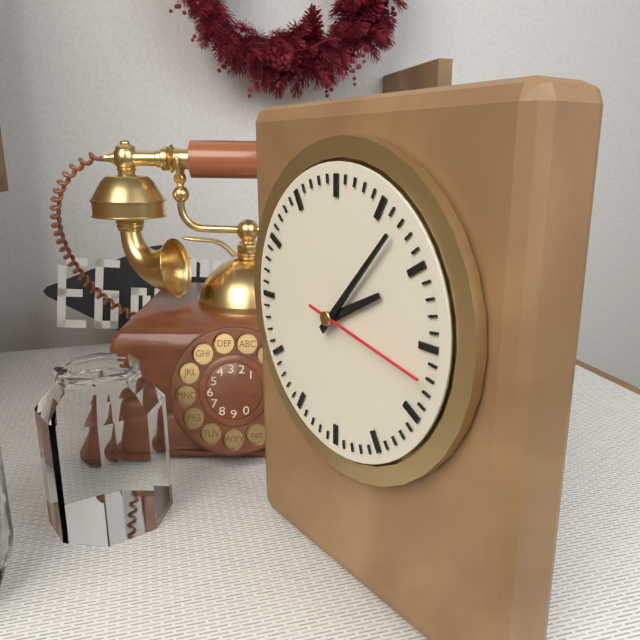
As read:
2,07,17
